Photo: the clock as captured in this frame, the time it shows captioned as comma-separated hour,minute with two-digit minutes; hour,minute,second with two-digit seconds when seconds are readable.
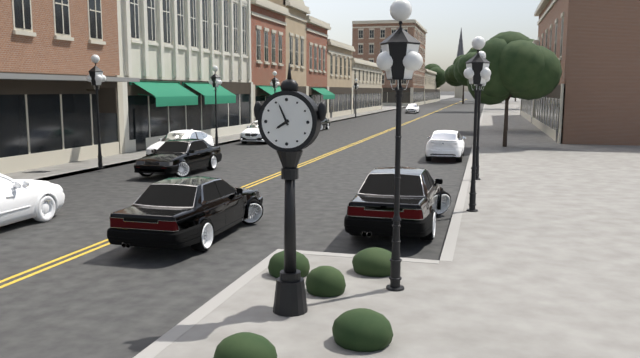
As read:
7,56
